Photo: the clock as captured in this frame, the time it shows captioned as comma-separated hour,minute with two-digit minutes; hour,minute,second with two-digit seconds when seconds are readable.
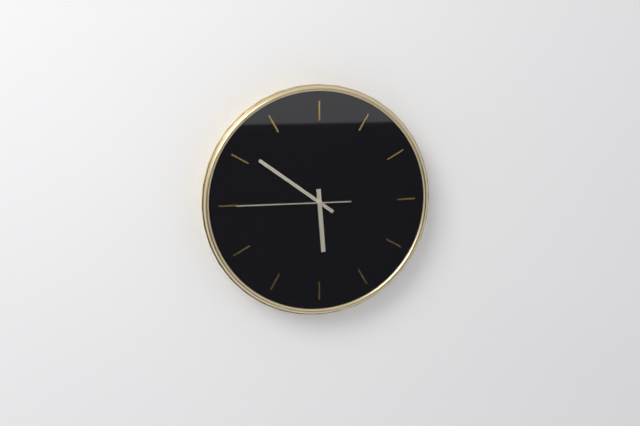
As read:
5,51,45
